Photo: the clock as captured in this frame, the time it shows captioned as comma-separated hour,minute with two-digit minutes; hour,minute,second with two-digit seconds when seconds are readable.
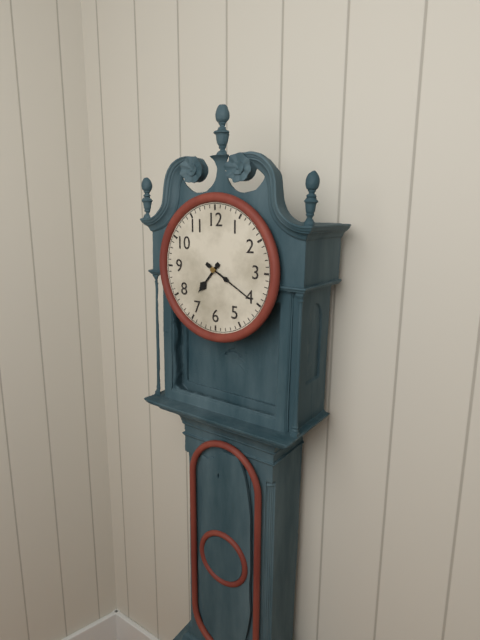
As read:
7,20
